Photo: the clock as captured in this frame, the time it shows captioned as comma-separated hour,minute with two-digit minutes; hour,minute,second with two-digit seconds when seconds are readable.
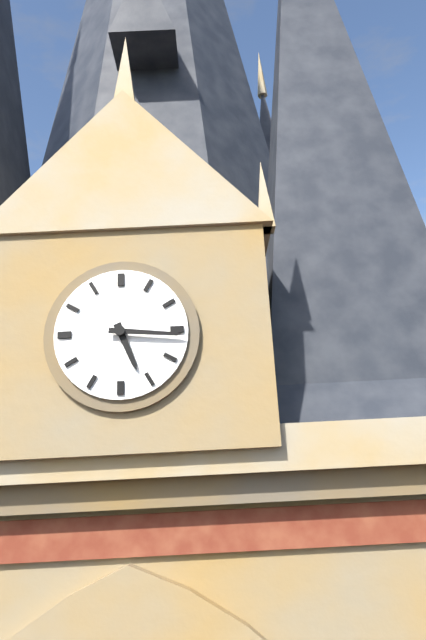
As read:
5,16
